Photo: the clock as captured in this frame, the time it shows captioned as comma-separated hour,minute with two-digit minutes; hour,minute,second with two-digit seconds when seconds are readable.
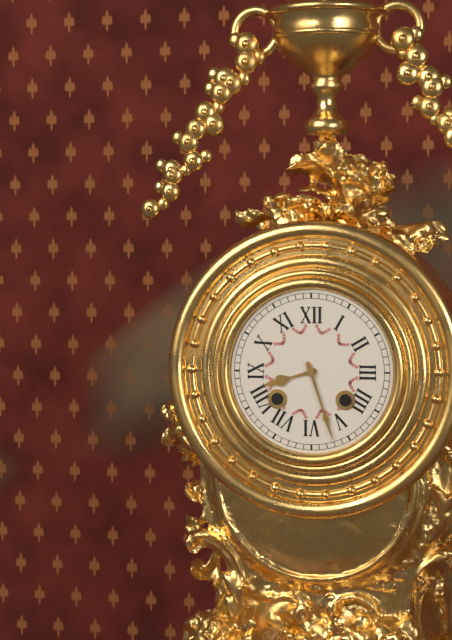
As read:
8,27
